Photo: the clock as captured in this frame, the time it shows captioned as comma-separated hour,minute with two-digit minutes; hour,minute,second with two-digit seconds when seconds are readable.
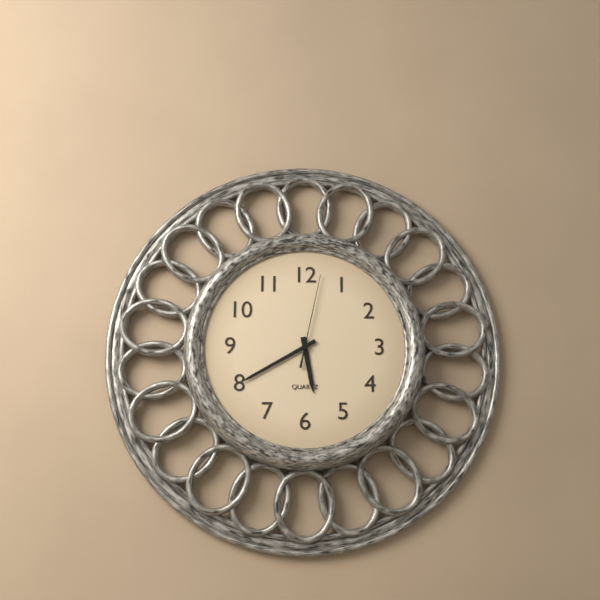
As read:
5,40,02
